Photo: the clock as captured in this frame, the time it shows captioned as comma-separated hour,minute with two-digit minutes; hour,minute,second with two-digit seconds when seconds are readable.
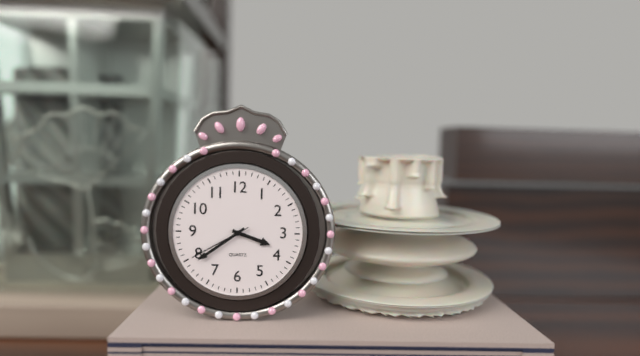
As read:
3,39,40
